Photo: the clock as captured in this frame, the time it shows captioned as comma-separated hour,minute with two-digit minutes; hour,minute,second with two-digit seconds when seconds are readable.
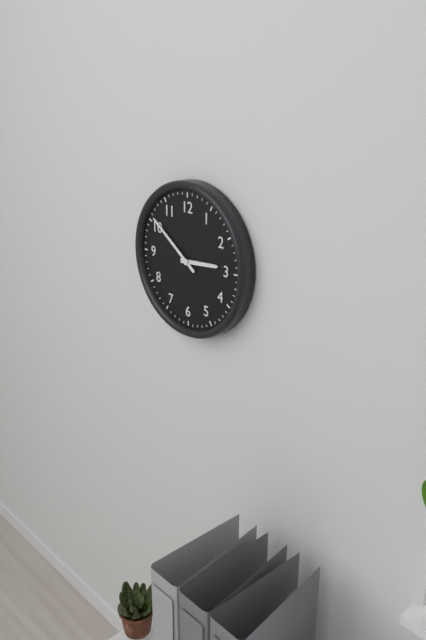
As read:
2,51
